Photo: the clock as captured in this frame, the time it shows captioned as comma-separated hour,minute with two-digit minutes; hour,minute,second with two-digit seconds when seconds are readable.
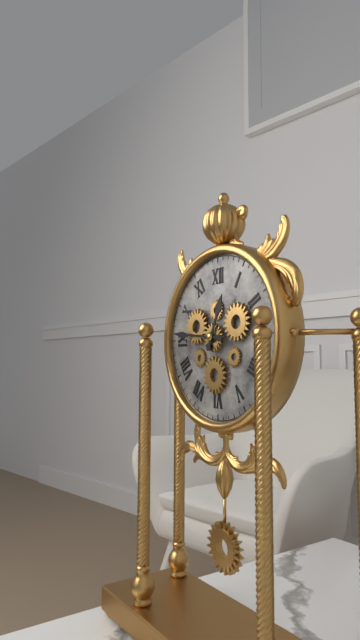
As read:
12,46
